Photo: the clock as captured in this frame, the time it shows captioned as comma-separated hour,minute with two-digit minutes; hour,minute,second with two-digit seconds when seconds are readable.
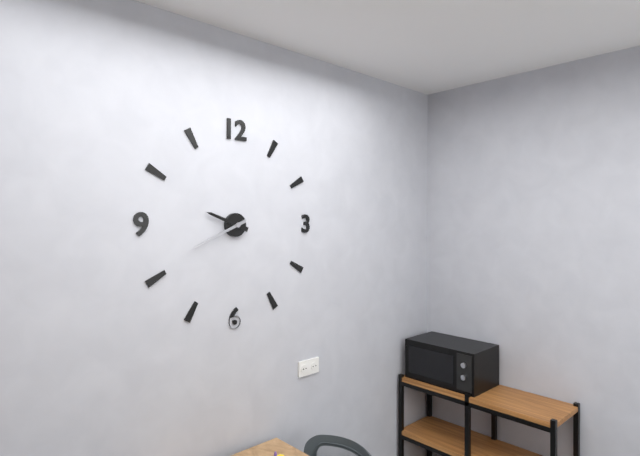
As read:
9,41
